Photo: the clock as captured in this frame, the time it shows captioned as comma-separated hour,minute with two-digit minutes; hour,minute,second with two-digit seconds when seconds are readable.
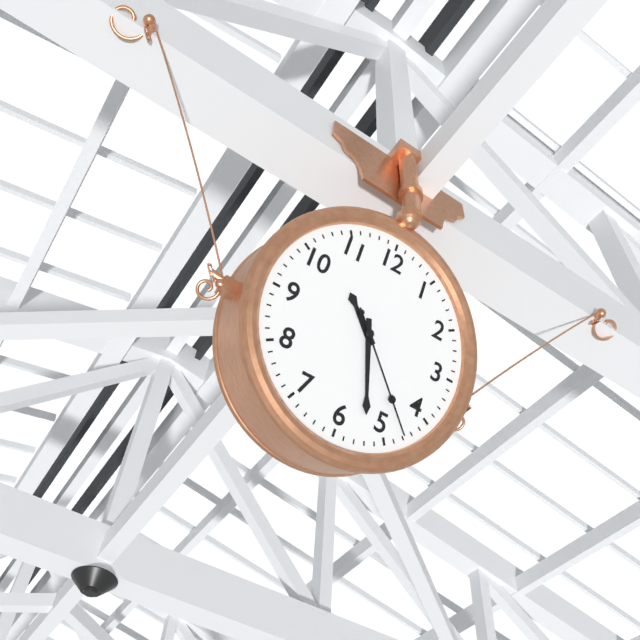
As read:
10,27,23
